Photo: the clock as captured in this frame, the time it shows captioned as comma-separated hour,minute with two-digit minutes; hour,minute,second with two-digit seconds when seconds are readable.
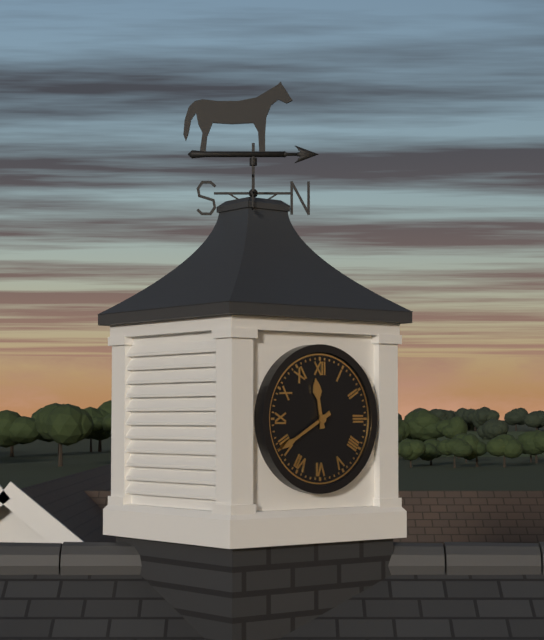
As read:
11,40
